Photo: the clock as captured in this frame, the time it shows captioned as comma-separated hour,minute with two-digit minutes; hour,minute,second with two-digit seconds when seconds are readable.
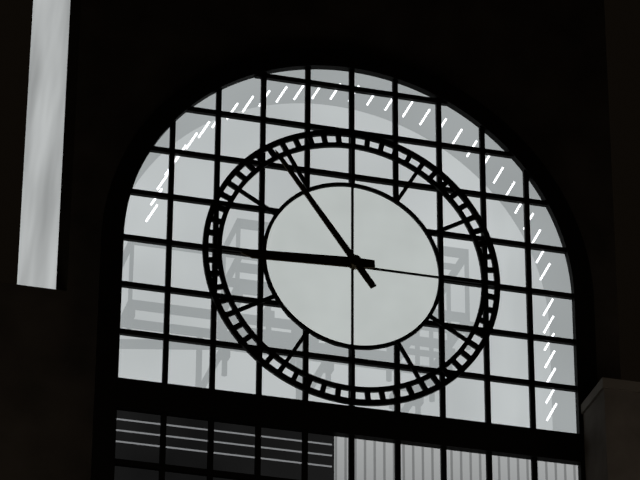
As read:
8,54
